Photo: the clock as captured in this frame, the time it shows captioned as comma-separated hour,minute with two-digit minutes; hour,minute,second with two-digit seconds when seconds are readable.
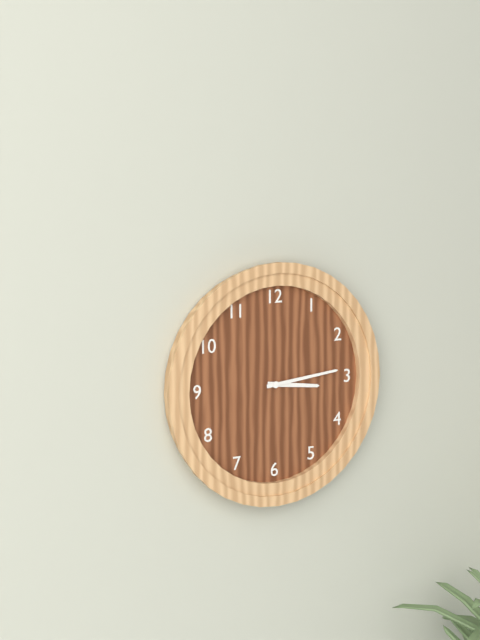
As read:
3,14
